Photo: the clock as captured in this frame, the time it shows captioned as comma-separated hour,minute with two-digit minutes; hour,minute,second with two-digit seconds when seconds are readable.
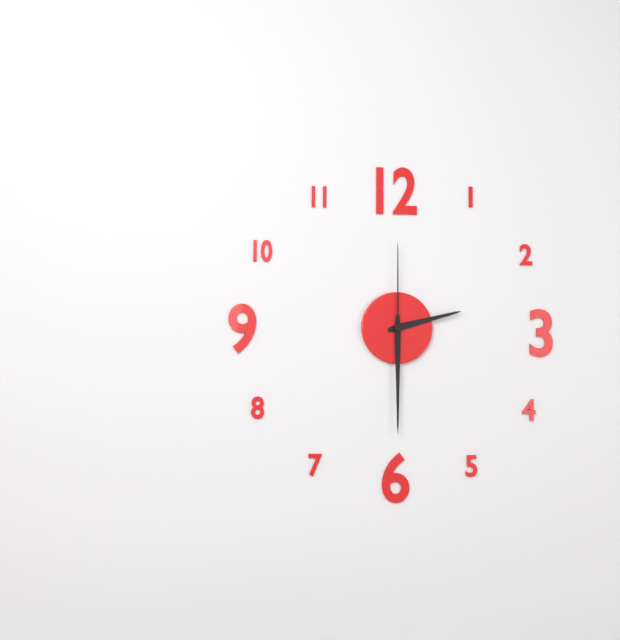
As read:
2,30,00
